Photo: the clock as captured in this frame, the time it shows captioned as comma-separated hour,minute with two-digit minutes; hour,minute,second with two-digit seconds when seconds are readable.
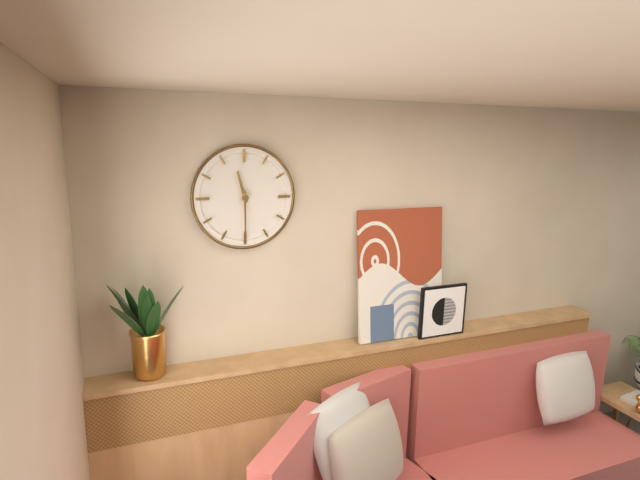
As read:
11,30
